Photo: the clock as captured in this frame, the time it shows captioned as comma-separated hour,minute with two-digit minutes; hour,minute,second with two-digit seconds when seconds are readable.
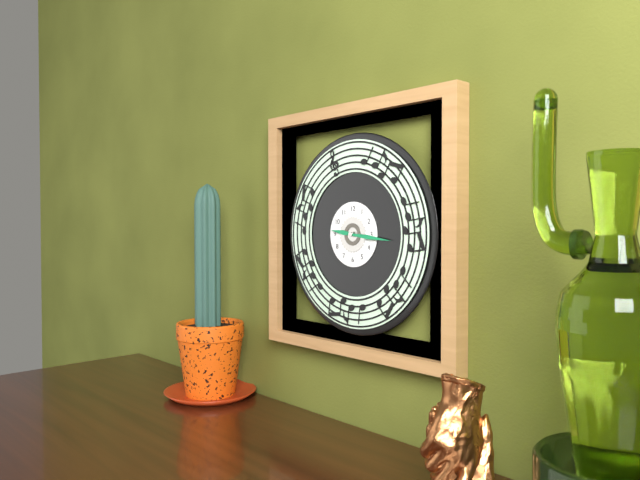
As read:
9,16
